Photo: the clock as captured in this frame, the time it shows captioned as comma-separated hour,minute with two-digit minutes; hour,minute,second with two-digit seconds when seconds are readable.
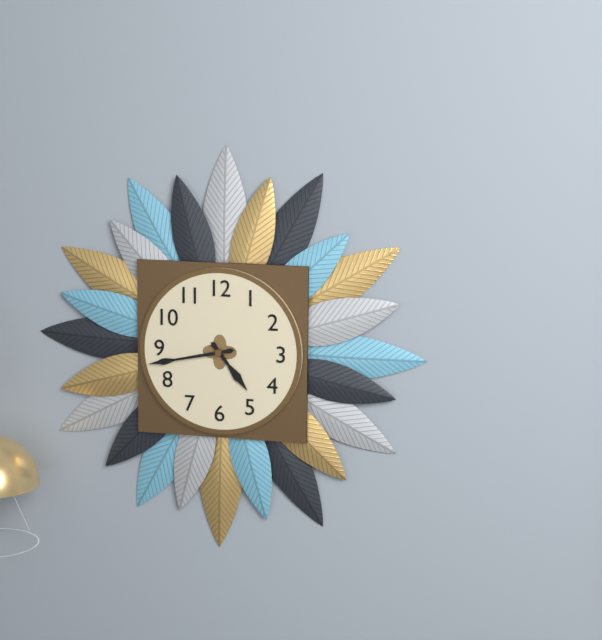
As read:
4,43
